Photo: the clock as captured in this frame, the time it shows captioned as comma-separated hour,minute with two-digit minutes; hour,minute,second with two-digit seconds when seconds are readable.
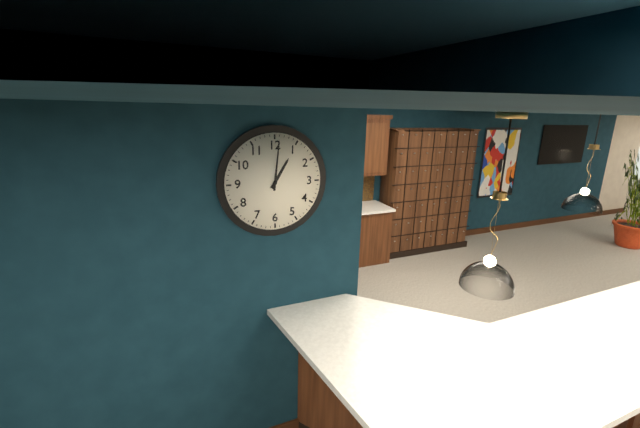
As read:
1,01
